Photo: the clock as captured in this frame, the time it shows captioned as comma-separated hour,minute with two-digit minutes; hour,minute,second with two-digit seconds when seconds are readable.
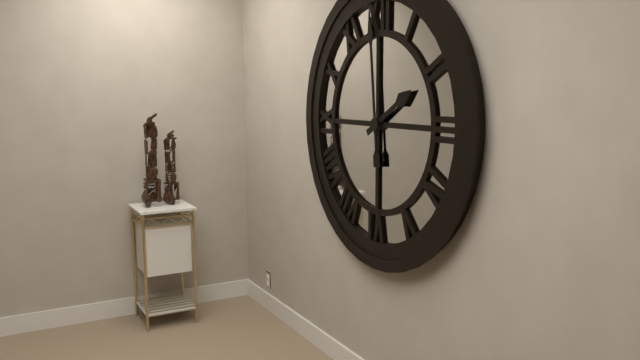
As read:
1,59
